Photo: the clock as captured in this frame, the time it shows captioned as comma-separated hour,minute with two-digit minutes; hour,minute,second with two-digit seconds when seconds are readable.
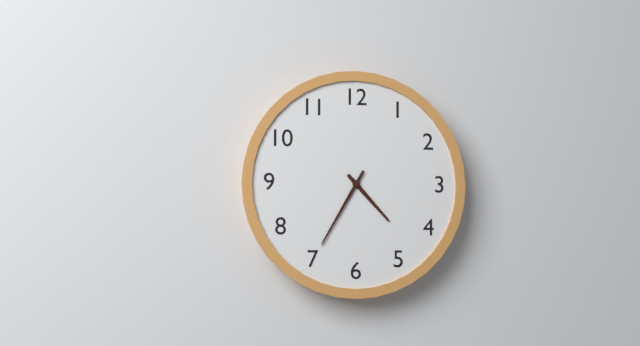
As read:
4,35
